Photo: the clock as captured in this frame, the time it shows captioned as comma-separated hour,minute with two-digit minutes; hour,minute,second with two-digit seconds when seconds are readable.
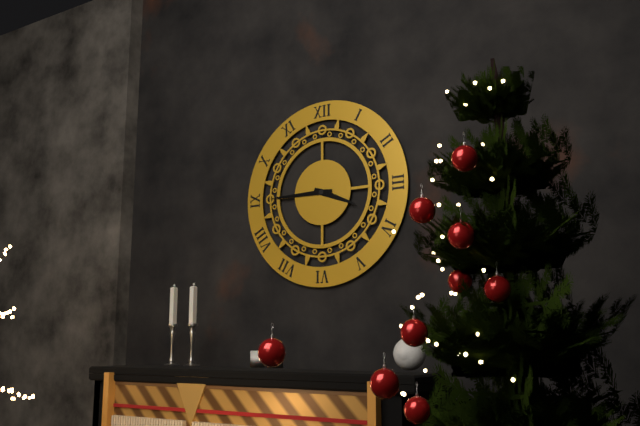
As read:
3,45
